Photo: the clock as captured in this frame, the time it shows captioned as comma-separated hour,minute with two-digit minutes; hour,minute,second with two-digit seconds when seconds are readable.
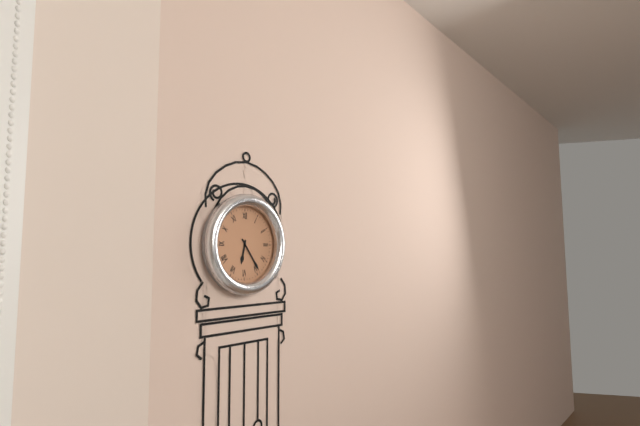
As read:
6,24
